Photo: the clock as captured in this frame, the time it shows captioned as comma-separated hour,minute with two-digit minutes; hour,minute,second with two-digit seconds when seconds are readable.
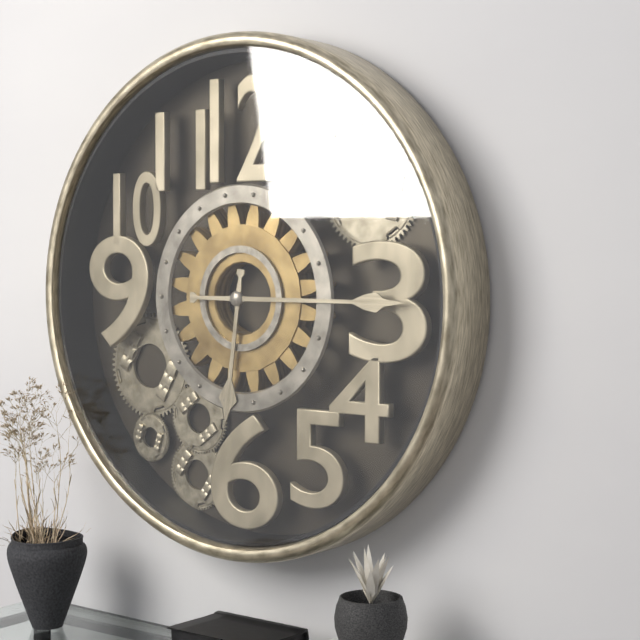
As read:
6,15
